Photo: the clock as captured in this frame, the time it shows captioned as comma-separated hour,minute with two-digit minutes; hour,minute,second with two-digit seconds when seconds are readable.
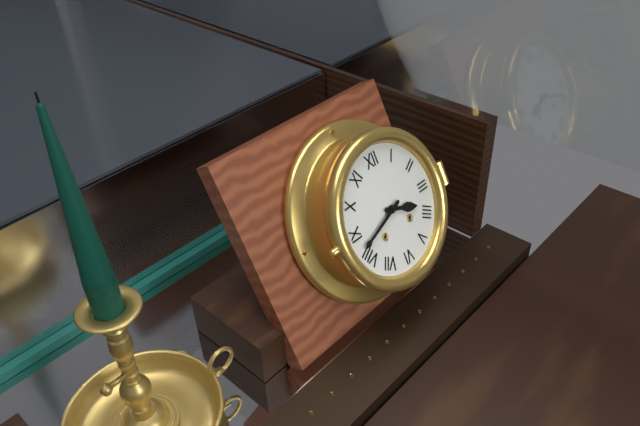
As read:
3,42
